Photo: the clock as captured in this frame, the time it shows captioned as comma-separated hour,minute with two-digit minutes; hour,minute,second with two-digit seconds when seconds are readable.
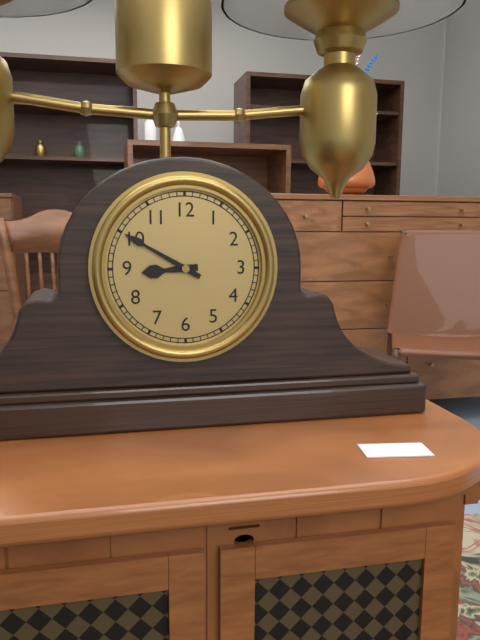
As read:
8,50
